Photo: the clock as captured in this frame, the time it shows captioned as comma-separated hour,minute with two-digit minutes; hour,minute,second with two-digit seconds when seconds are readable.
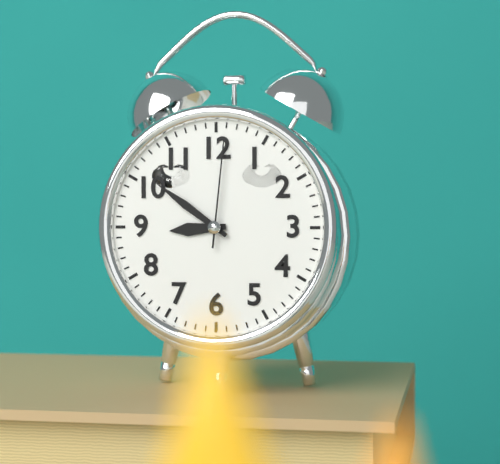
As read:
8,51,01
